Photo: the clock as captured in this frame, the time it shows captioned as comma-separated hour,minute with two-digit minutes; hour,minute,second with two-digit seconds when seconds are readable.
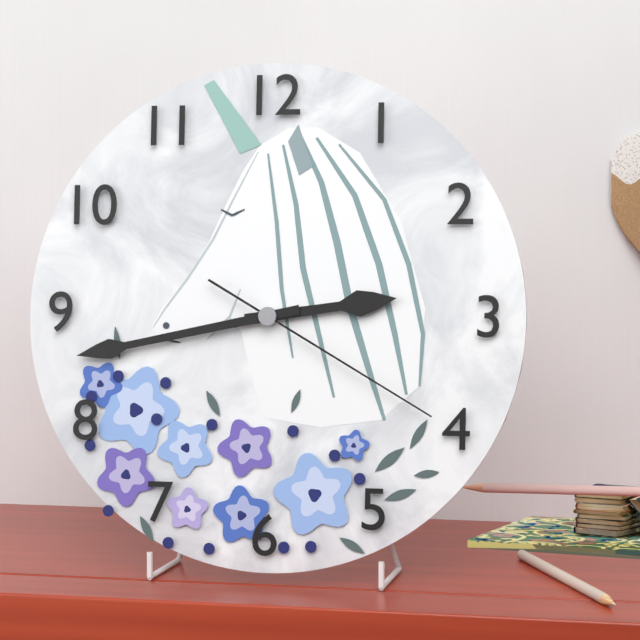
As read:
2,43,20
